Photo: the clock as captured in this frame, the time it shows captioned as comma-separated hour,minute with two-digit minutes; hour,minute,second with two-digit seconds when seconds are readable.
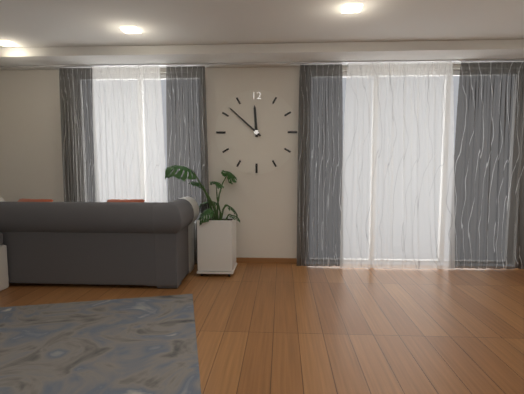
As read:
11,52
